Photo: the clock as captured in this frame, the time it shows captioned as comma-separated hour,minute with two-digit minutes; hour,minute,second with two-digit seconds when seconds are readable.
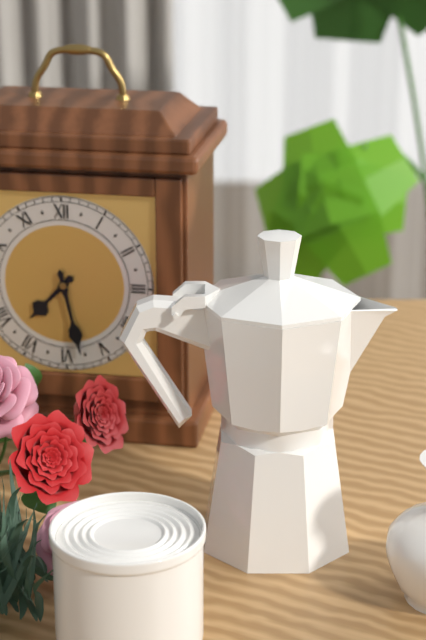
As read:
7,28
